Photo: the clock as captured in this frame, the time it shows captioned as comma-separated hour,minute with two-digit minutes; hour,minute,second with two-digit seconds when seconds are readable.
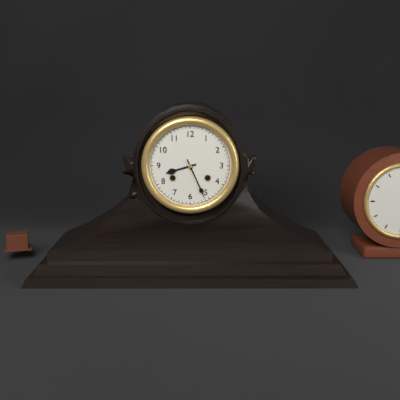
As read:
8,26
